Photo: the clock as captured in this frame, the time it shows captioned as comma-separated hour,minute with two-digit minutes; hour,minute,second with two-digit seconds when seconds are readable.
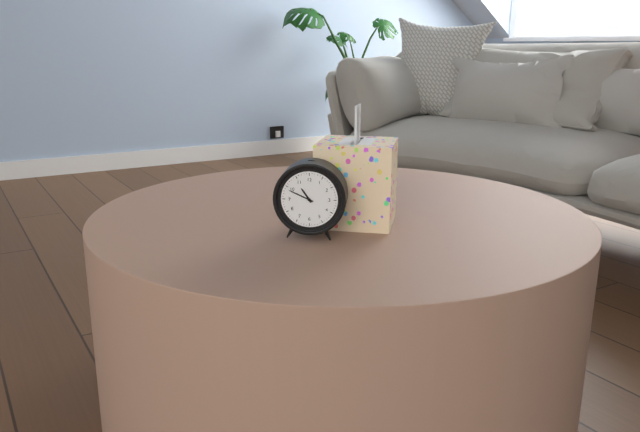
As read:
10,49
